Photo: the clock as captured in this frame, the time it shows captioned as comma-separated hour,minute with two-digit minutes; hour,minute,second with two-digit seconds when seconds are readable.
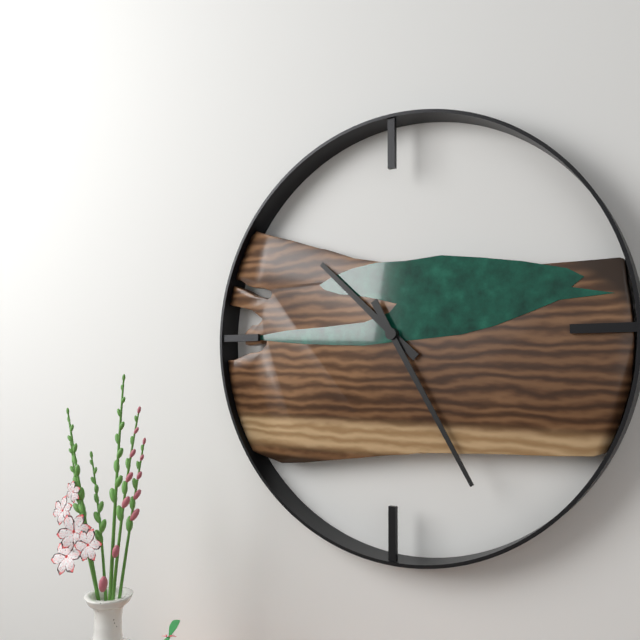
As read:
10,25
